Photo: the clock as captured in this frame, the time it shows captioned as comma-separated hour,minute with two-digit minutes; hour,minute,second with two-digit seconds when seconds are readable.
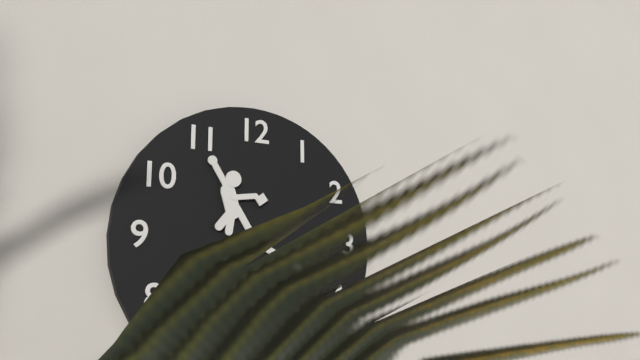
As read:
3,54
